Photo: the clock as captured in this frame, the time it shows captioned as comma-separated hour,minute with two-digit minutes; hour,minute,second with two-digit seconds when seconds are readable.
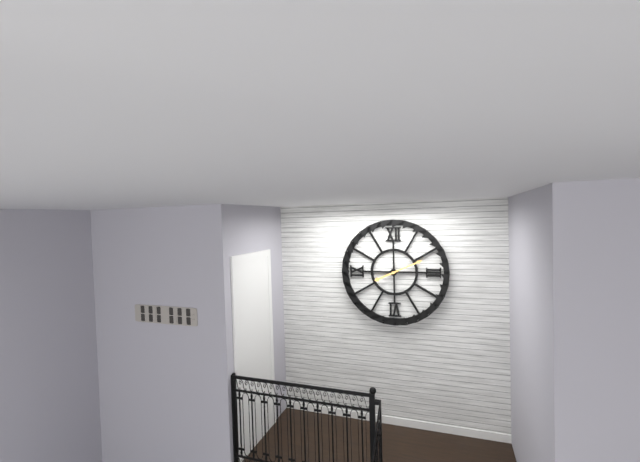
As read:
8,11
